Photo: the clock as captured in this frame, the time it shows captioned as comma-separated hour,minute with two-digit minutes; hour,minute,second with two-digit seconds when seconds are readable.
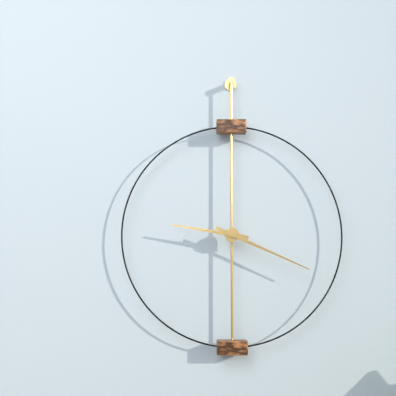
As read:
9,19
